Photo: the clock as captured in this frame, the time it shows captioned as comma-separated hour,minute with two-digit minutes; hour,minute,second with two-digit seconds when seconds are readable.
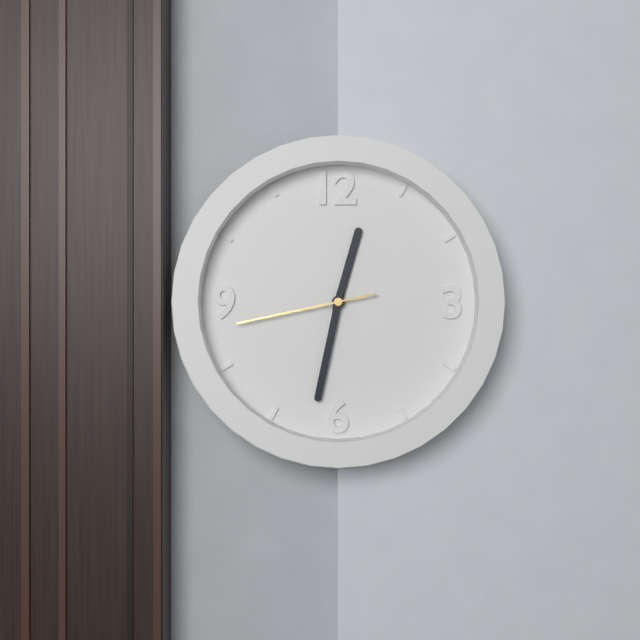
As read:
12,32,43
